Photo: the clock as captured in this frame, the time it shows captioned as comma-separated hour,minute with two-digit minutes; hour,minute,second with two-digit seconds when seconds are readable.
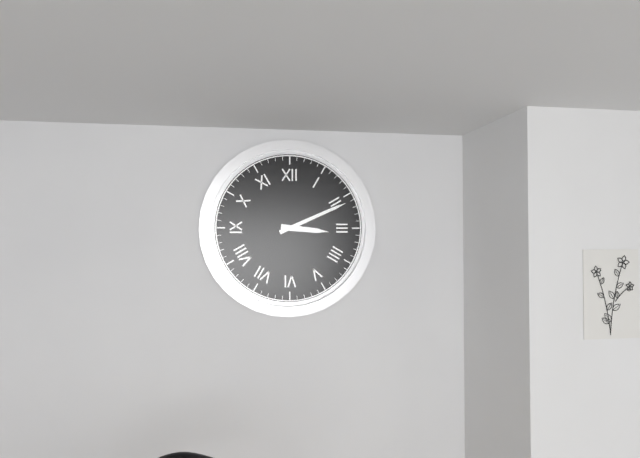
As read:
3,11
